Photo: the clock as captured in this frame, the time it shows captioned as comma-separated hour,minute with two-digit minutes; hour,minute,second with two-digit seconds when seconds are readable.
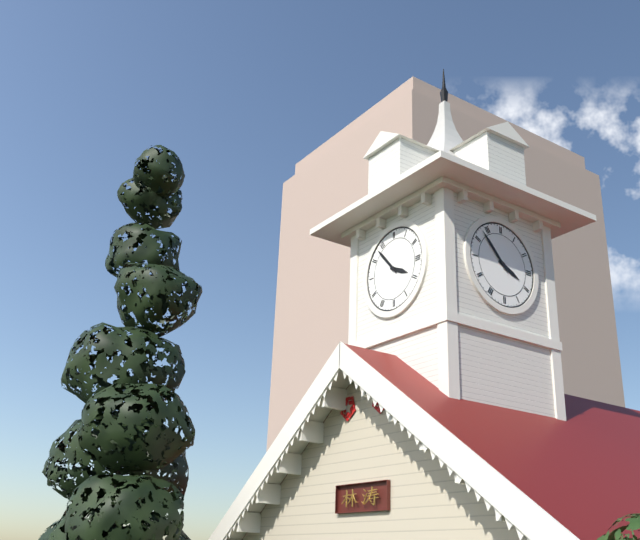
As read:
3,53
